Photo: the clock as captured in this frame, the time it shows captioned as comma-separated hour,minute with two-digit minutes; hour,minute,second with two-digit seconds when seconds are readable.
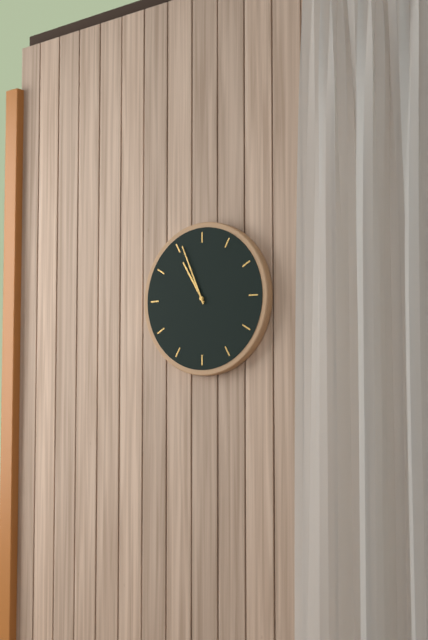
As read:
10,56
